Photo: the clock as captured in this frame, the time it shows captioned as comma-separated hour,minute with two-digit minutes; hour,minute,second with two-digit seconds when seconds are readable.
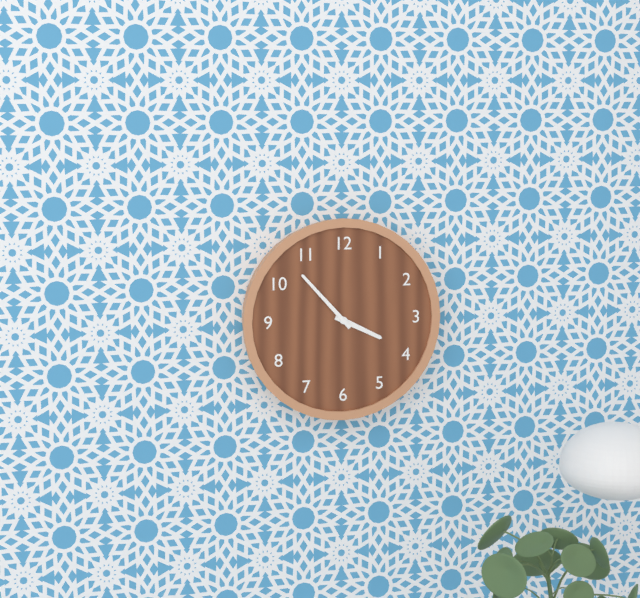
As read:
3,53
